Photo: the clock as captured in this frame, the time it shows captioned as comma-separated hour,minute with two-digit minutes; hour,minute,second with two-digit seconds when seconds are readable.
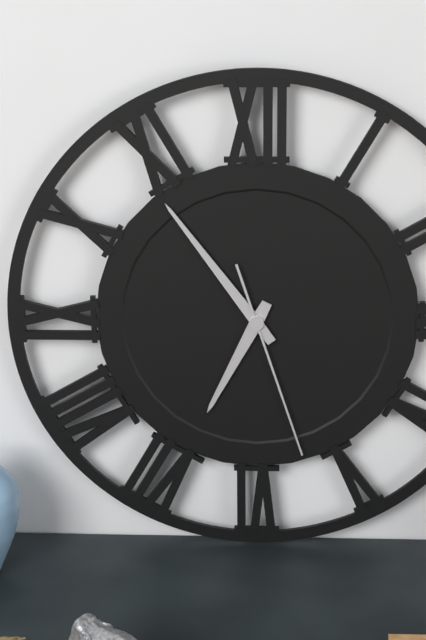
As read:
6,54,27
